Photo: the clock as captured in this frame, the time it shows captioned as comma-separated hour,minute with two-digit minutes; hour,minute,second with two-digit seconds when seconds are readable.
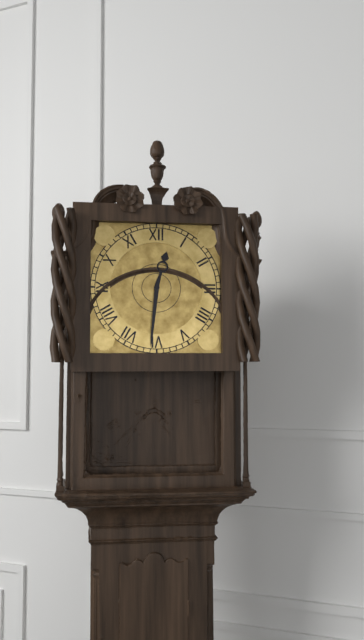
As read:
12,31
